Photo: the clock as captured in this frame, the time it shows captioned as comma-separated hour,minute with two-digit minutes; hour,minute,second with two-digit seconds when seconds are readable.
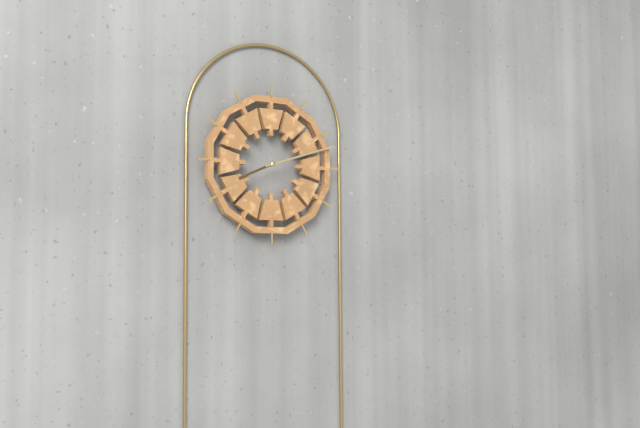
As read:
8,12
